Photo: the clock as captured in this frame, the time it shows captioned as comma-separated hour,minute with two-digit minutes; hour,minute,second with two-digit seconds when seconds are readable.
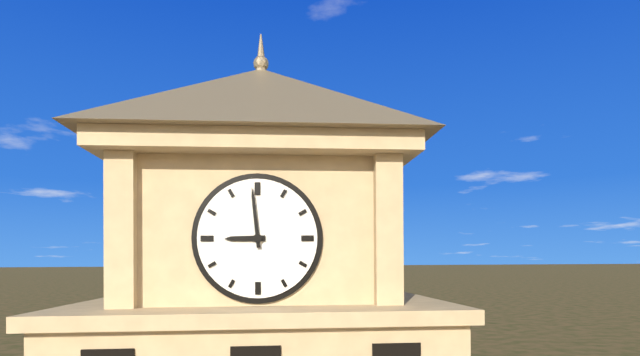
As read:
8,59
